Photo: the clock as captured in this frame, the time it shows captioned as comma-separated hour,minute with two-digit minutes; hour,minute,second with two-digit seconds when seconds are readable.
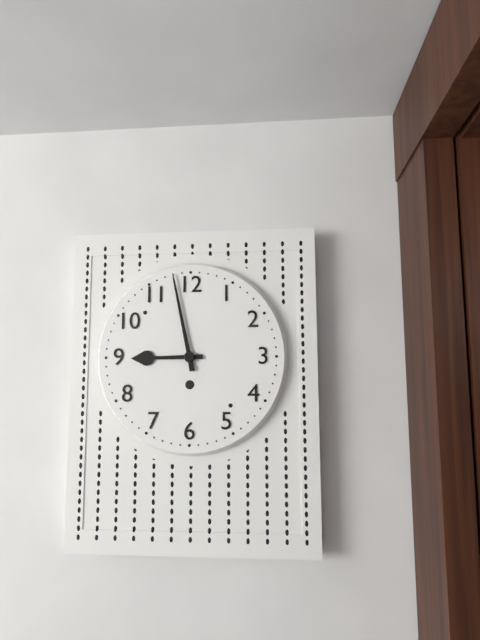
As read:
8,58
